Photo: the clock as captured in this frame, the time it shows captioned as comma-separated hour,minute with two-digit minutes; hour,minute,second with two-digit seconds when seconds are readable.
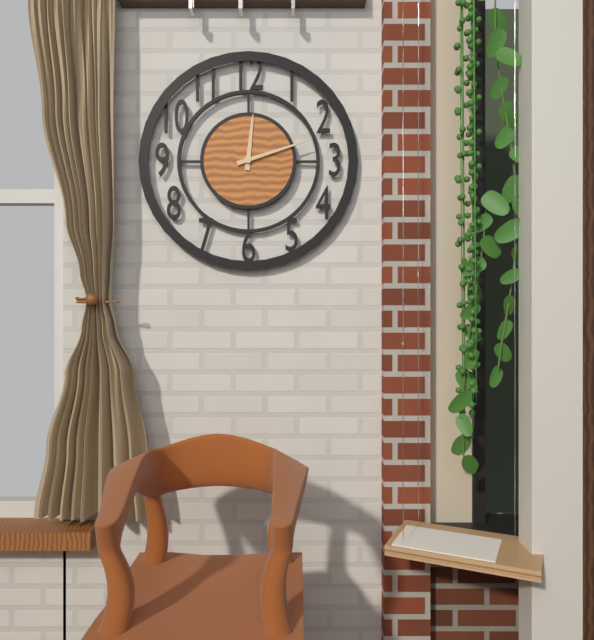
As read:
12,12
